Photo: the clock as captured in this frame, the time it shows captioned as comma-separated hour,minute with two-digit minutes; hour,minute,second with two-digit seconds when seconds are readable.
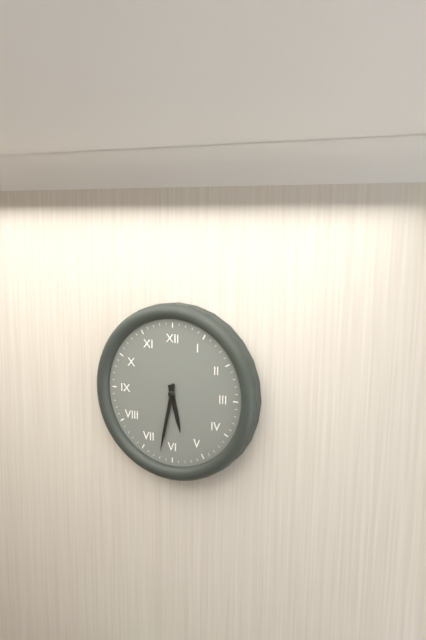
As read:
5,32
